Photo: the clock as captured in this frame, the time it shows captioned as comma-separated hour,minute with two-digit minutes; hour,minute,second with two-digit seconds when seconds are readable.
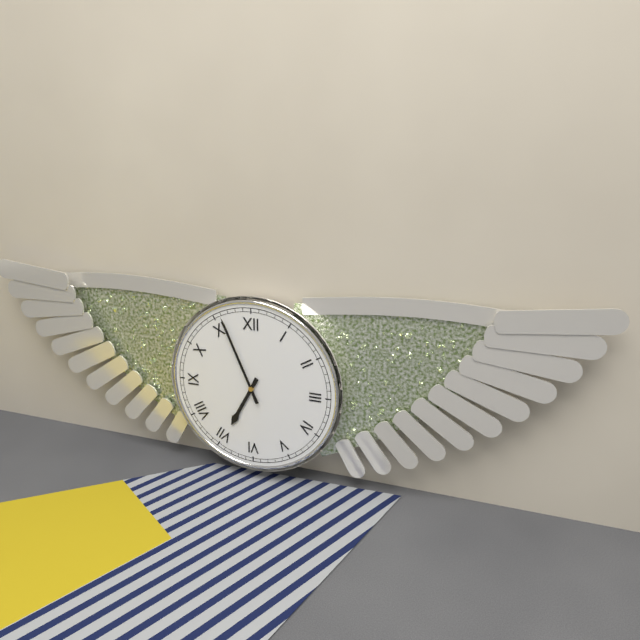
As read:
6,56
